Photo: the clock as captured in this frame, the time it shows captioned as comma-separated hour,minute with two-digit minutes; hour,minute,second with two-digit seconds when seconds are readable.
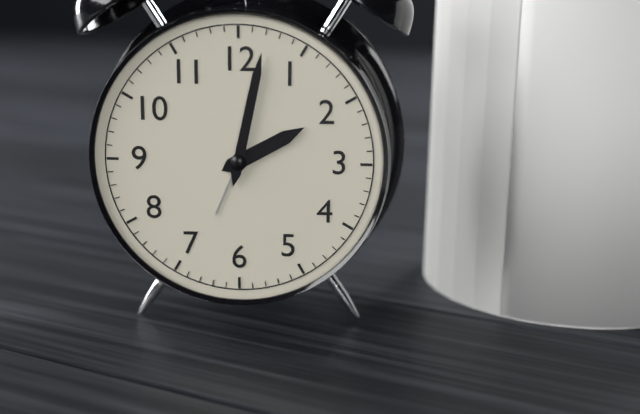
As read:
2,02
